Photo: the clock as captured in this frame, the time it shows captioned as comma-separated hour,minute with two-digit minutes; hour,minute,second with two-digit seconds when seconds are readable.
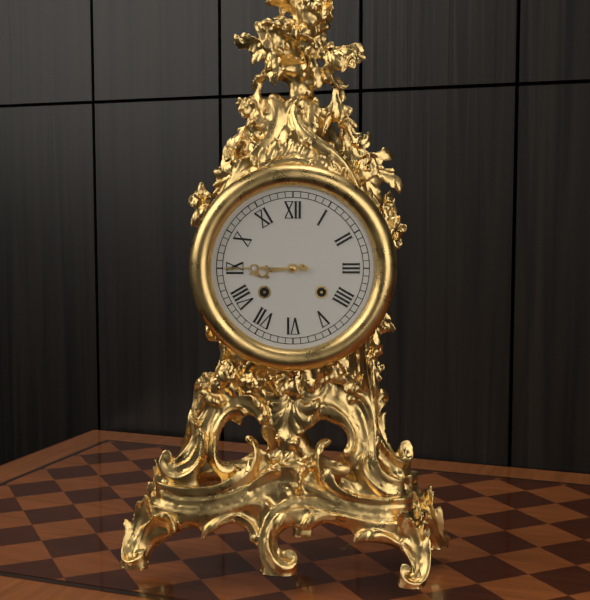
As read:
8,45
